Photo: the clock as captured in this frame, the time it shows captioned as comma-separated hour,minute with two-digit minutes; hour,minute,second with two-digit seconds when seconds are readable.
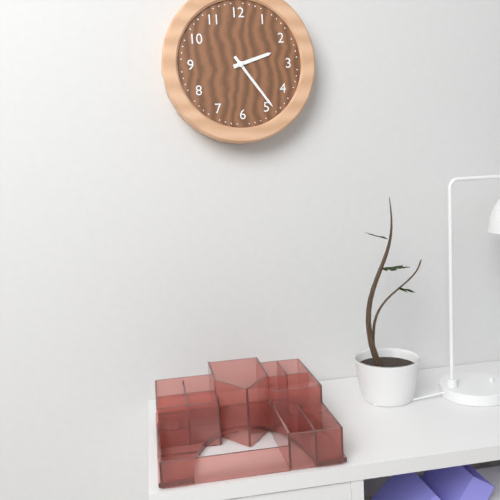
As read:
2,24
